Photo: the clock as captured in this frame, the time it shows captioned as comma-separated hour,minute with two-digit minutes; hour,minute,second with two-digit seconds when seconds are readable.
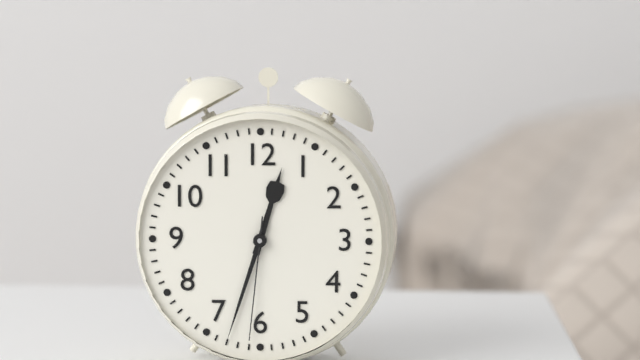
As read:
12,33,31
